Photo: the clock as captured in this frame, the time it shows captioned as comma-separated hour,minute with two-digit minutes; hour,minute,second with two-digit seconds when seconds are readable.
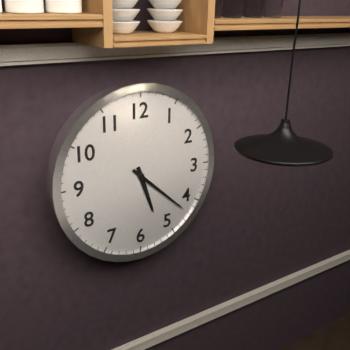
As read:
5,22
